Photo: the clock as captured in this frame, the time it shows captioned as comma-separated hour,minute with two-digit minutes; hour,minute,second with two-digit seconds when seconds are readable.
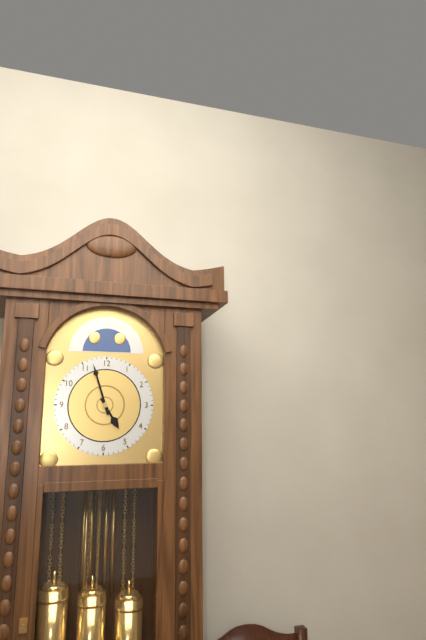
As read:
4,57
